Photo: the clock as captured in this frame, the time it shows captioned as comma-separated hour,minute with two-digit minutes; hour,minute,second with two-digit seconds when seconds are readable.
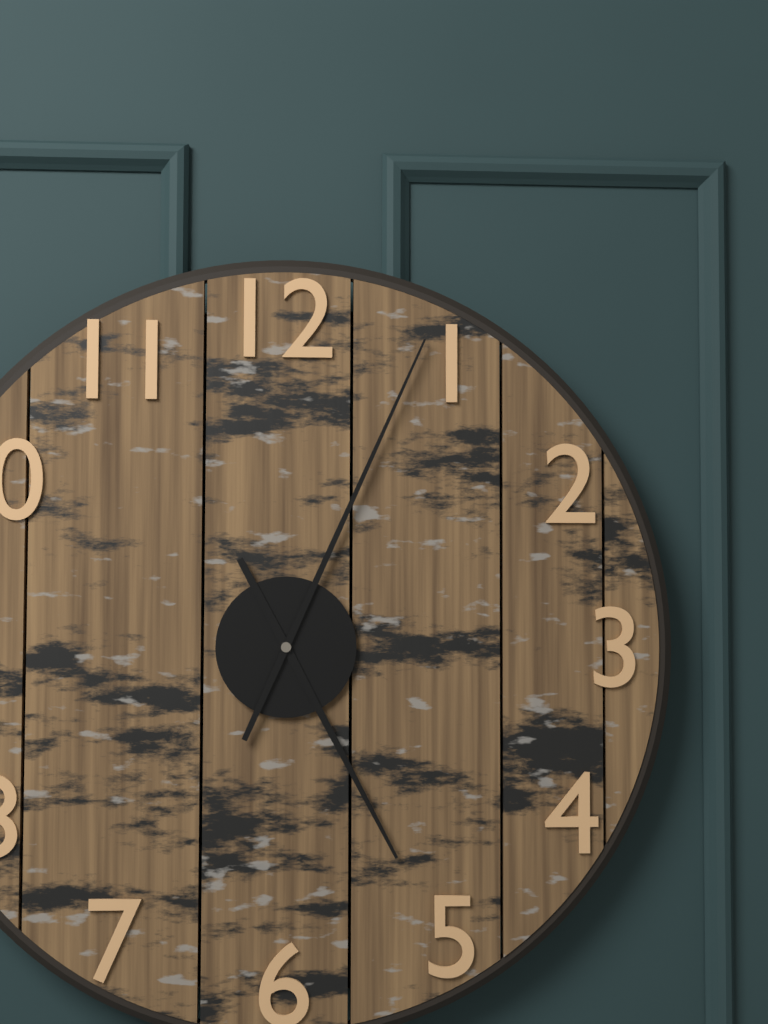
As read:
5,04
